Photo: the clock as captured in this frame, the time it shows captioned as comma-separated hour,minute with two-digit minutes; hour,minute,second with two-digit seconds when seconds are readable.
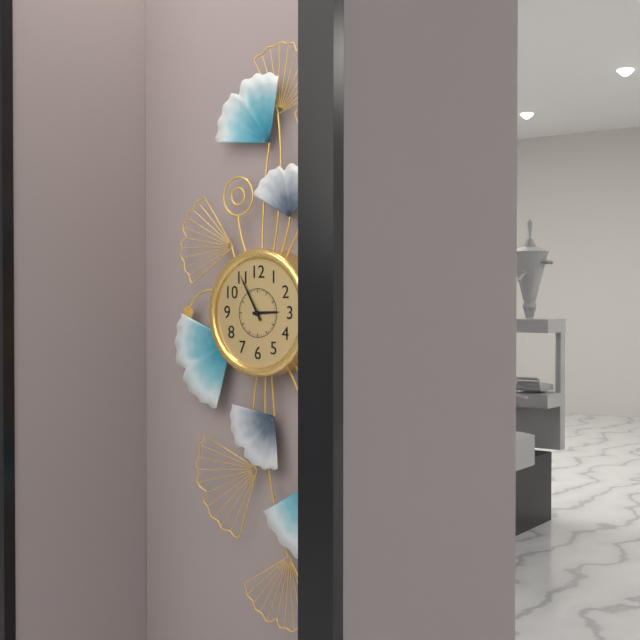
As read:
2,55
